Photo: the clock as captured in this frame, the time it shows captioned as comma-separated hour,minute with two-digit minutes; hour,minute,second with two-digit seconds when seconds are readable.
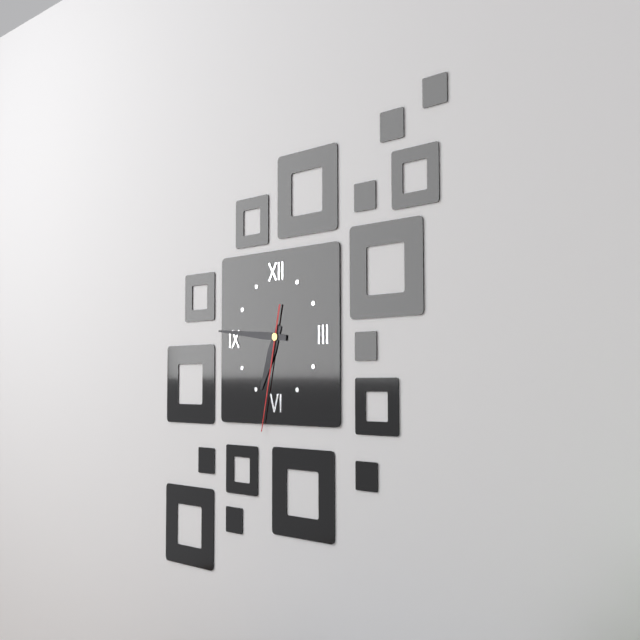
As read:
6,46,32
